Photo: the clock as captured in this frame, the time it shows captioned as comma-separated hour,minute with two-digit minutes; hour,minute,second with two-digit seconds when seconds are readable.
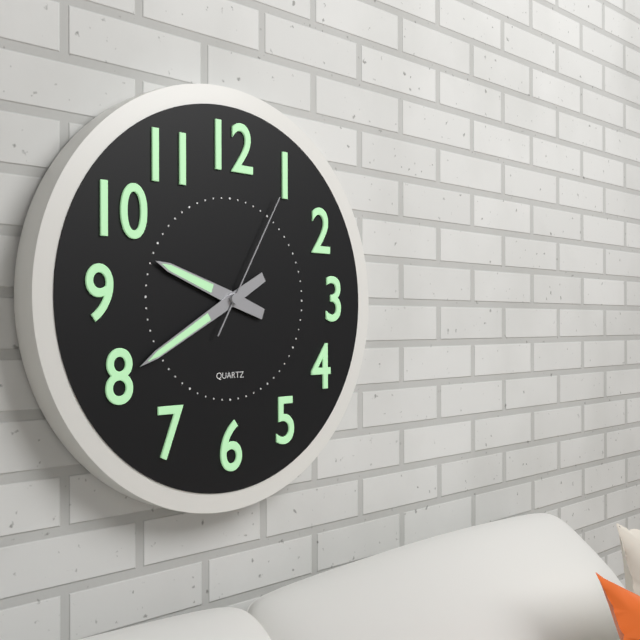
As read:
9,40,05
